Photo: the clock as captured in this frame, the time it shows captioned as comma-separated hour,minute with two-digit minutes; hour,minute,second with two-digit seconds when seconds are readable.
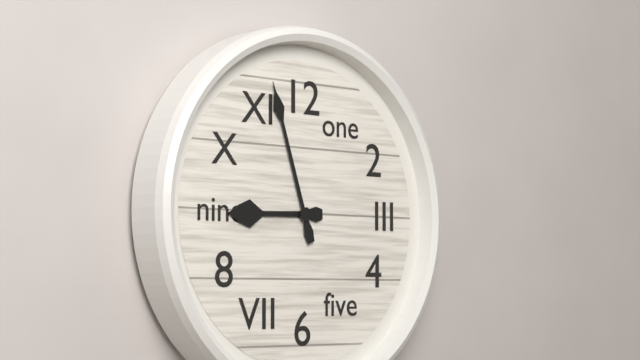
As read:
8,57
